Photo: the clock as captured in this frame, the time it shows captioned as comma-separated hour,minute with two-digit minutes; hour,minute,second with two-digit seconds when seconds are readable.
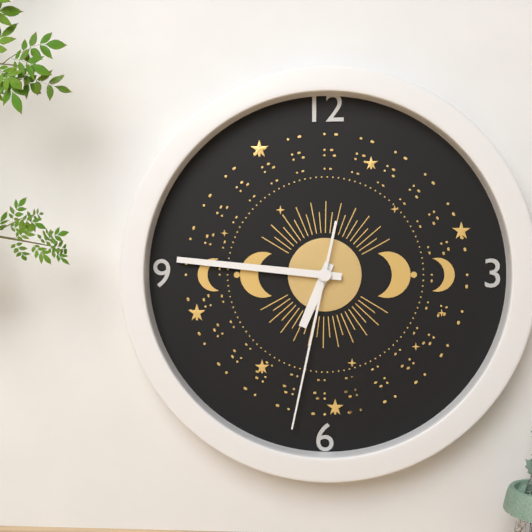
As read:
6,46,32
